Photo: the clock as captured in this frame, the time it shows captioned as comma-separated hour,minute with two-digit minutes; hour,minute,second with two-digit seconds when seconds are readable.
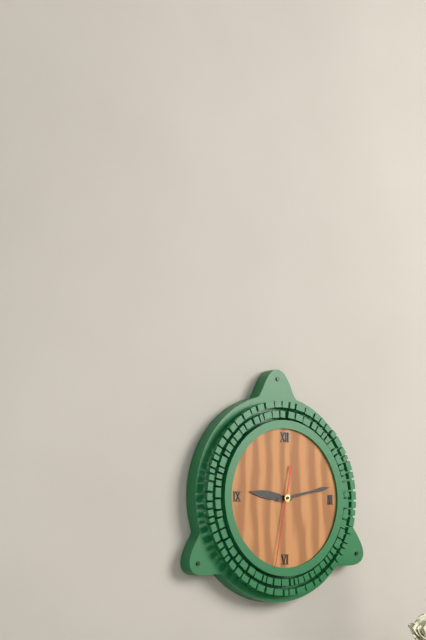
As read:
9,13,32
